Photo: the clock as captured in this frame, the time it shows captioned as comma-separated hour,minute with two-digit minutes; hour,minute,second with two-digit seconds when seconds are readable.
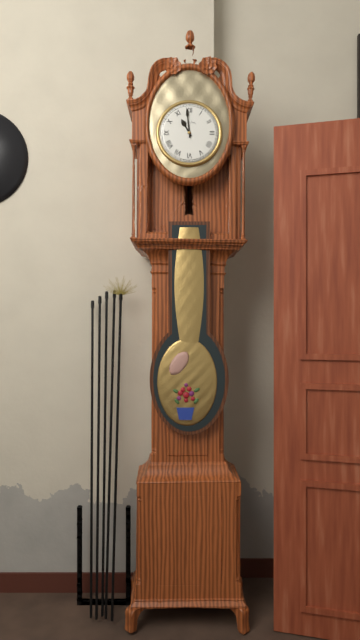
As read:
10,59
